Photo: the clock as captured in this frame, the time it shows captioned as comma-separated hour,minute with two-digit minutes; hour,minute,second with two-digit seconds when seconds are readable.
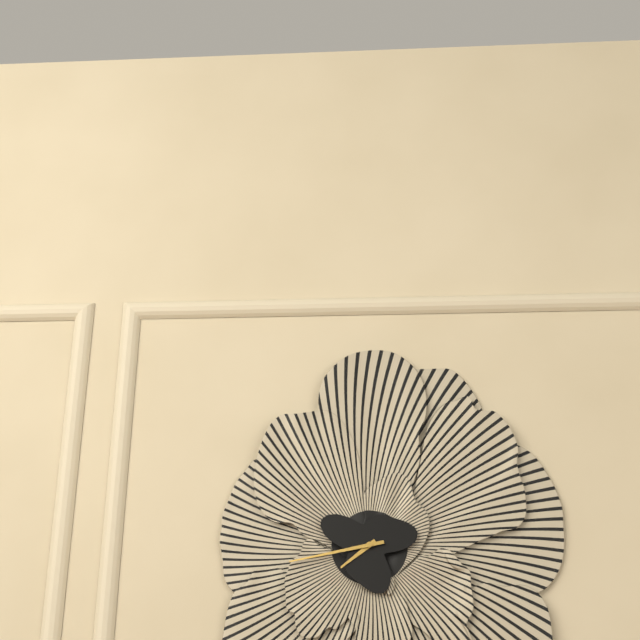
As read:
7,43
